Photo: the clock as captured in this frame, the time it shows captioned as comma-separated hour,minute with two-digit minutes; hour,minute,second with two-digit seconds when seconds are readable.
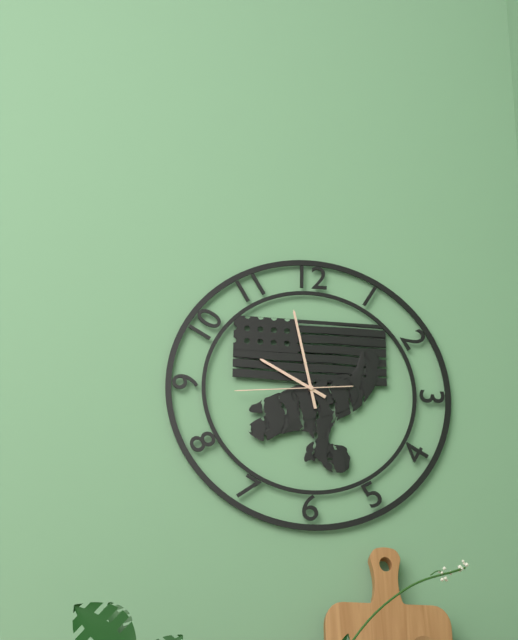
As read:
9,58,44
